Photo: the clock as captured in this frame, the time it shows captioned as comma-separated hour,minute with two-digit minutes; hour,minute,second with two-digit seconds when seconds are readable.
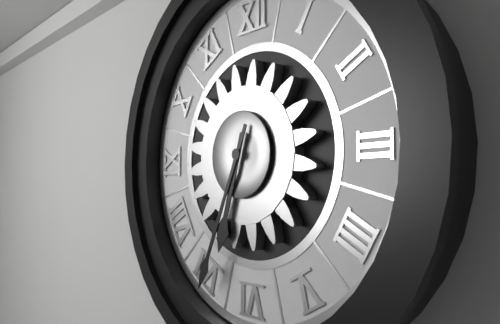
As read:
6,34
